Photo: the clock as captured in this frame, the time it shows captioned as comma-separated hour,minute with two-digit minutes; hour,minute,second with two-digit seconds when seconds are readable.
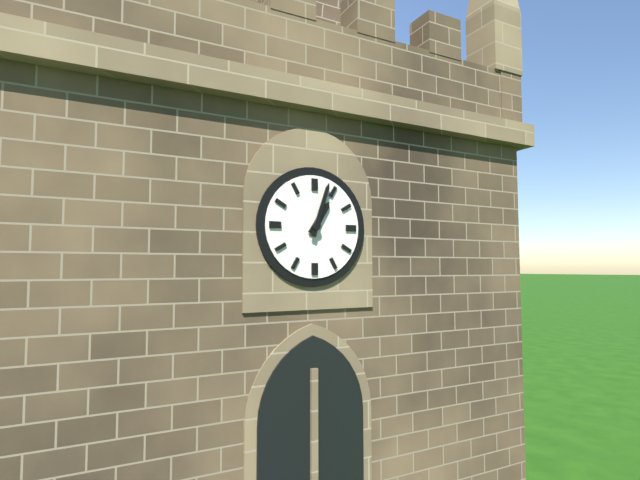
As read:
1,03
